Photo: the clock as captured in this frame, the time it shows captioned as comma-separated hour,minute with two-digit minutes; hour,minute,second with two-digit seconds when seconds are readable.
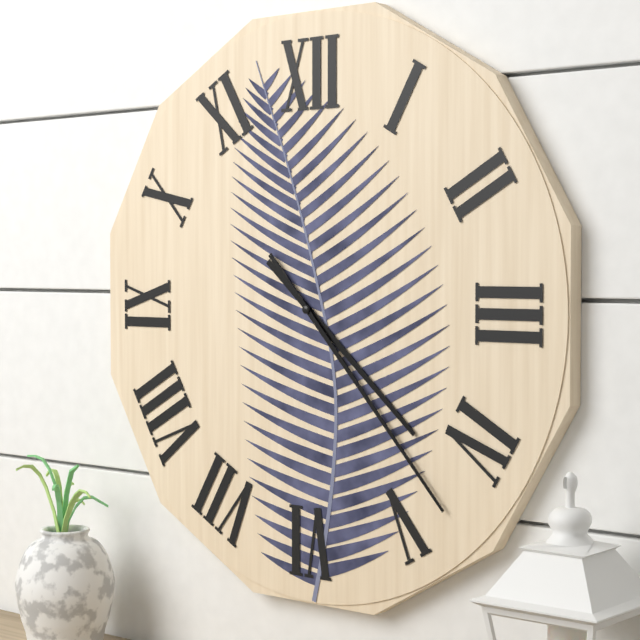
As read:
4,23
